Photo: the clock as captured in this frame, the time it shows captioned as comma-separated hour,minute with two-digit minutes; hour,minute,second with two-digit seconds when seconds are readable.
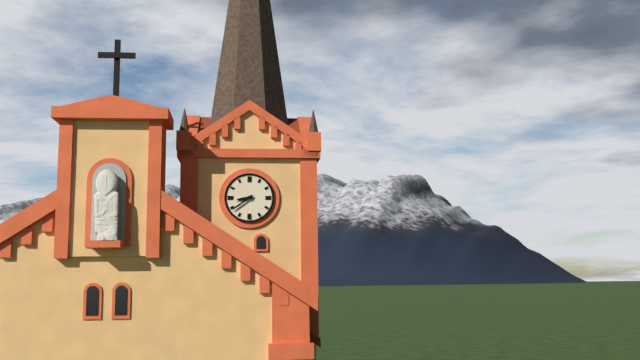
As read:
8,39
